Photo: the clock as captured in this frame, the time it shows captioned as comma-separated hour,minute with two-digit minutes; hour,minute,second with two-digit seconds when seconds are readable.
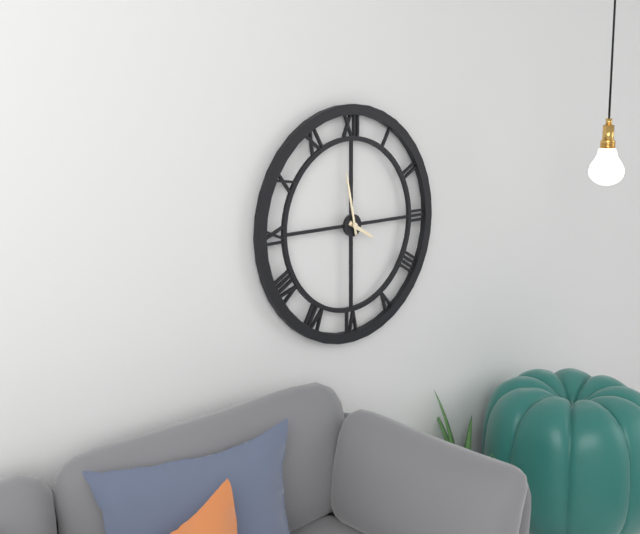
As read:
3,58
